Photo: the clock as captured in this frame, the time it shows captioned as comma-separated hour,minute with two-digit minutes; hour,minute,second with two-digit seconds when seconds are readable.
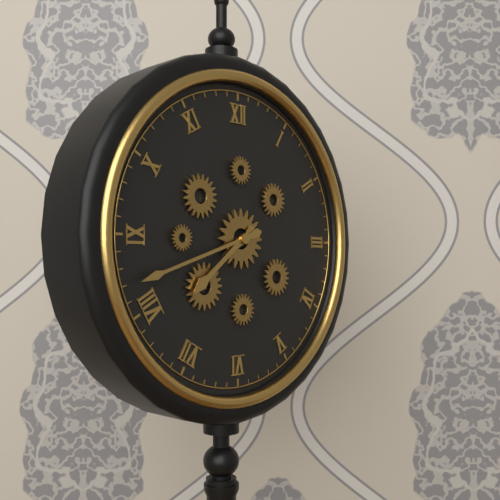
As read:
7,42
